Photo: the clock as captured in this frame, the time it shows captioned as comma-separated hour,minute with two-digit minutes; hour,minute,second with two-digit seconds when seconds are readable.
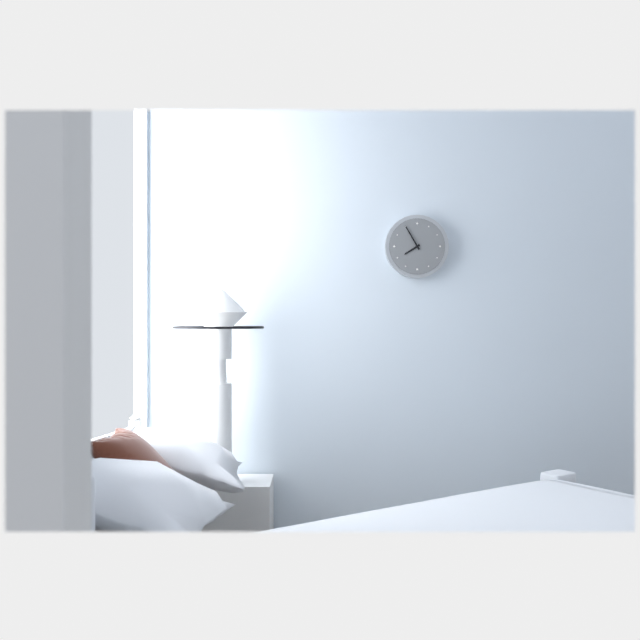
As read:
7,55
